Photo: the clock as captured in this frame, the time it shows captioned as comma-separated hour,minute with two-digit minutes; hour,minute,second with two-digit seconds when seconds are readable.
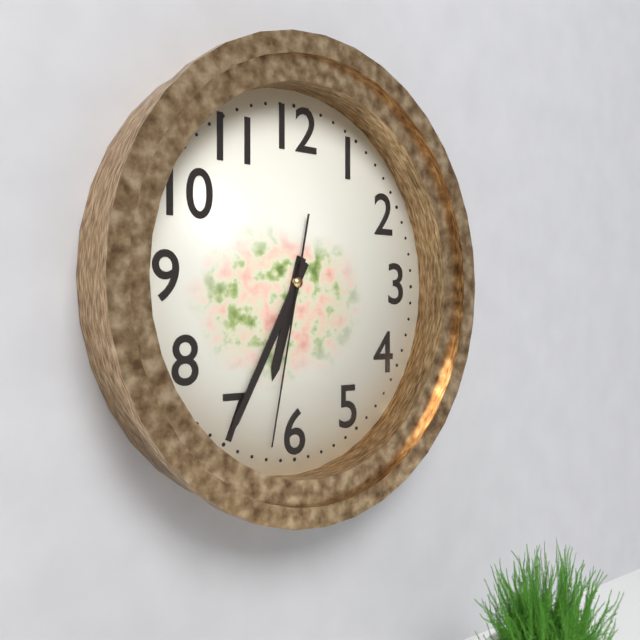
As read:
6,35,32
